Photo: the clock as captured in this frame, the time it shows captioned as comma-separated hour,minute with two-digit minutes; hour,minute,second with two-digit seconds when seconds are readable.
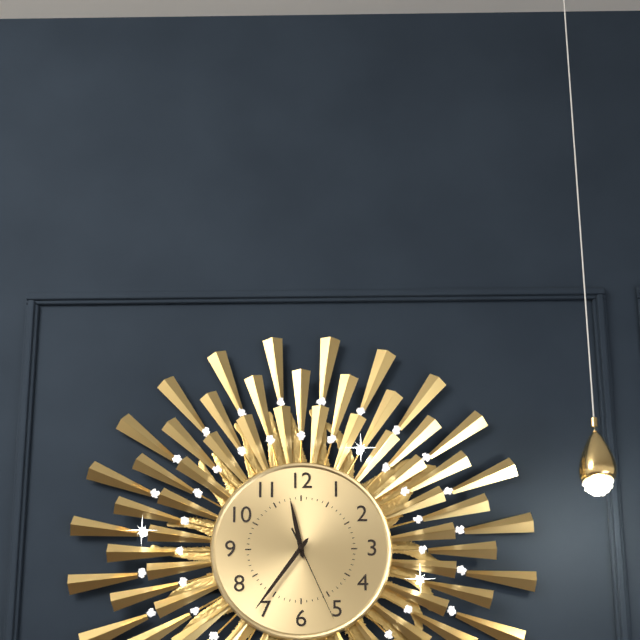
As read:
11,36,26
